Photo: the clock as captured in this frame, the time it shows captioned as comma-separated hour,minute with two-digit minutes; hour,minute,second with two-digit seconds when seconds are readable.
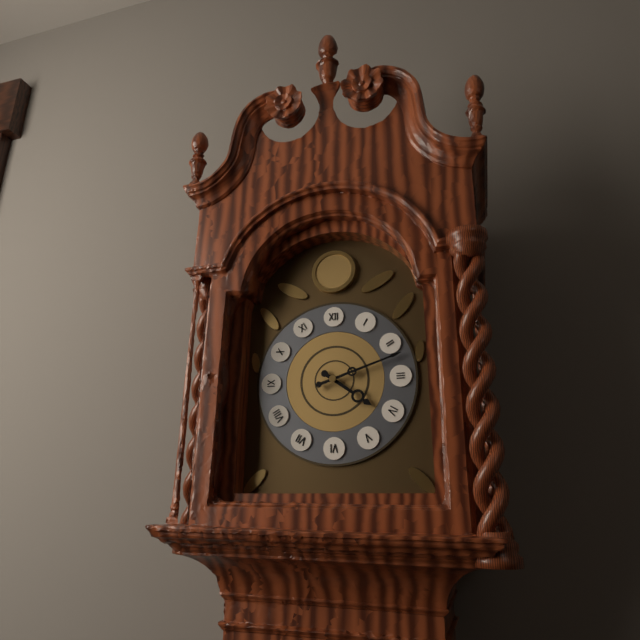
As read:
4,12
